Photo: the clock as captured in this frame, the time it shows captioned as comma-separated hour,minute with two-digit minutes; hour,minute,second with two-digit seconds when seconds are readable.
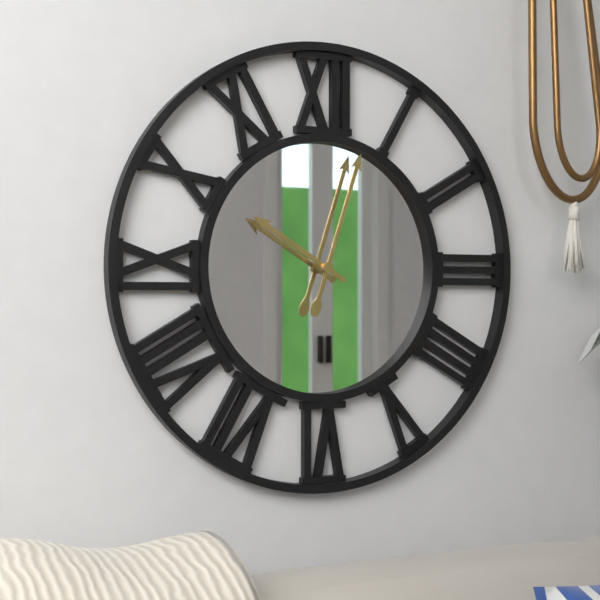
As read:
10,03
